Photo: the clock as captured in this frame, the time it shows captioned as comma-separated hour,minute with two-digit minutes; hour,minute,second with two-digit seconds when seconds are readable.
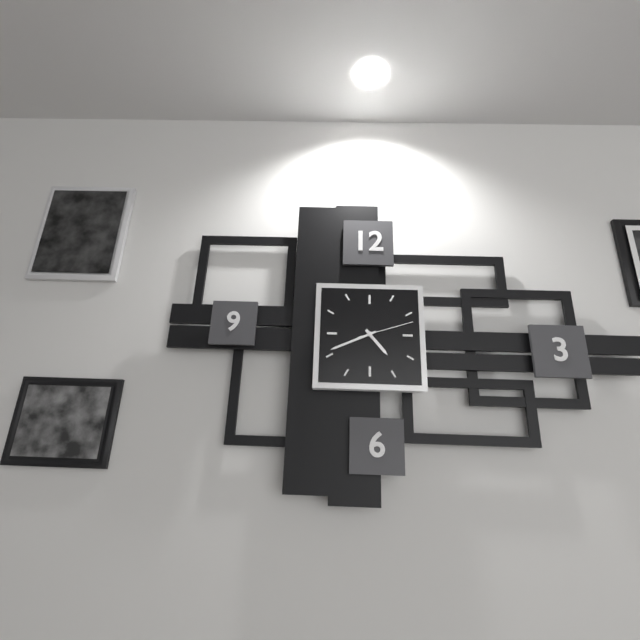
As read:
4,41,12
